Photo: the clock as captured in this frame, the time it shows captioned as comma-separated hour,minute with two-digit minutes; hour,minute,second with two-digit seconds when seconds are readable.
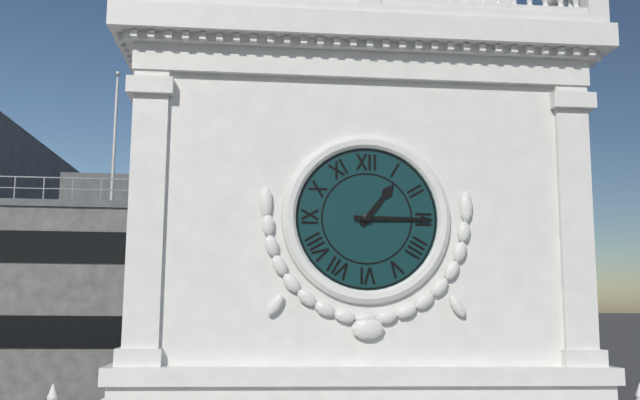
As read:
1,15
